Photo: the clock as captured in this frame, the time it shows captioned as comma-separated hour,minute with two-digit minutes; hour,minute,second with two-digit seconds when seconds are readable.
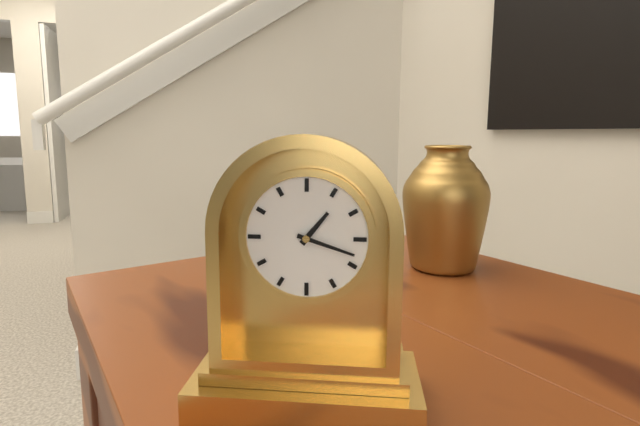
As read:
1,18
